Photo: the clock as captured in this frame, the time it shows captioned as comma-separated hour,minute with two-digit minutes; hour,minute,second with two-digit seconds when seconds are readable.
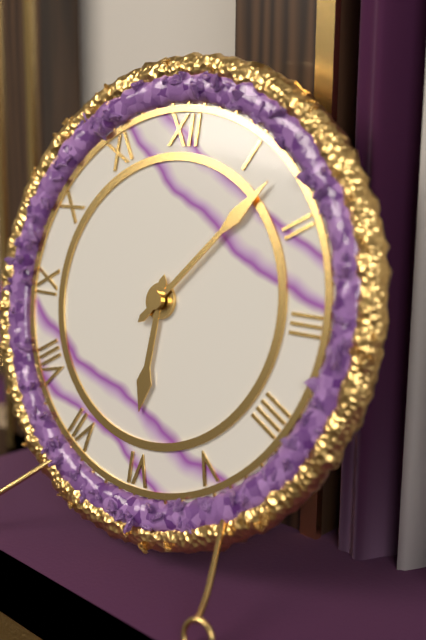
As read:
6,07
